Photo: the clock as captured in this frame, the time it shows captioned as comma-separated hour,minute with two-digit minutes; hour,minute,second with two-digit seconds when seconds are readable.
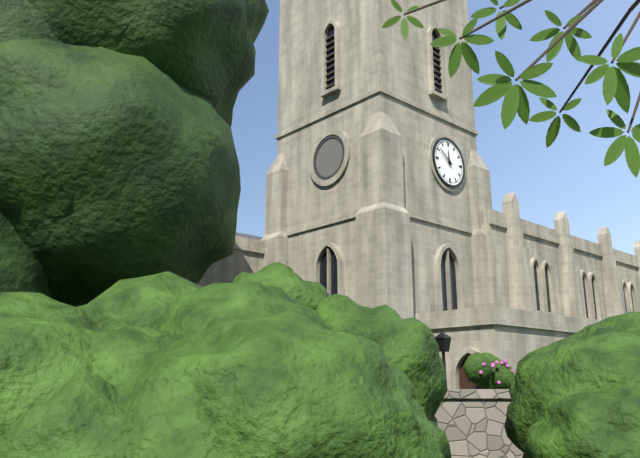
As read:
11,51
